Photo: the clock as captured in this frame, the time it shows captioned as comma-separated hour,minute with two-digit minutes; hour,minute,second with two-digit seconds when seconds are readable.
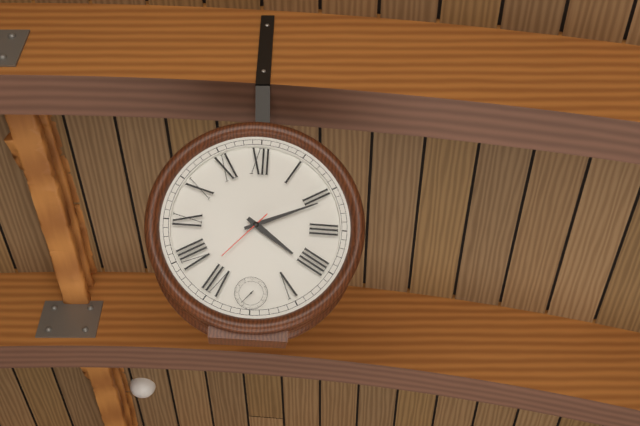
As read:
4,11,37
